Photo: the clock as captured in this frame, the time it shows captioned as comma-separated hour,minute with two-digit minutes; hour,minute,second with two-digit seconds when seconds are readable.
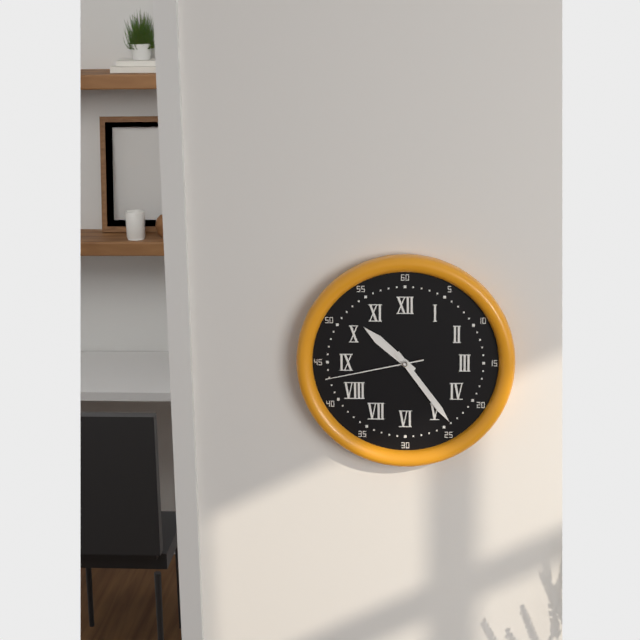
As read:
10,24,43
